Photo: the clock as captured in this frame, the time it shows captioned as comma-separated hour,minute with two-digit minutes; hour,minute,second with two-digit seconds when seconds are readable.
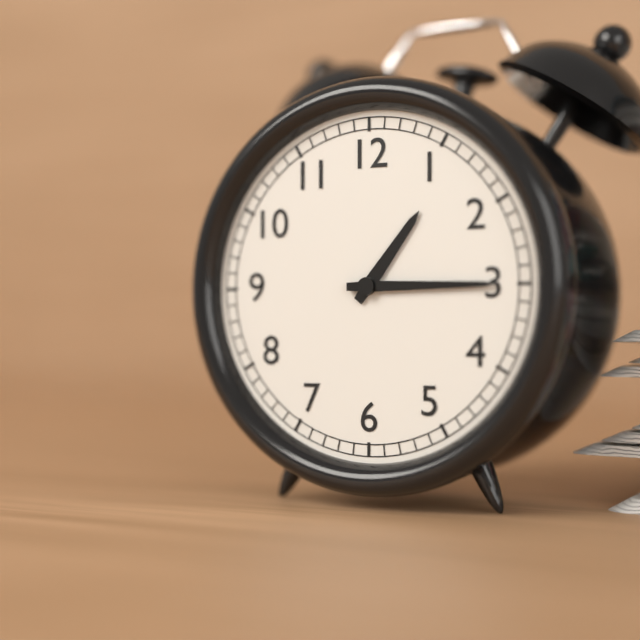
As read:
1,15
